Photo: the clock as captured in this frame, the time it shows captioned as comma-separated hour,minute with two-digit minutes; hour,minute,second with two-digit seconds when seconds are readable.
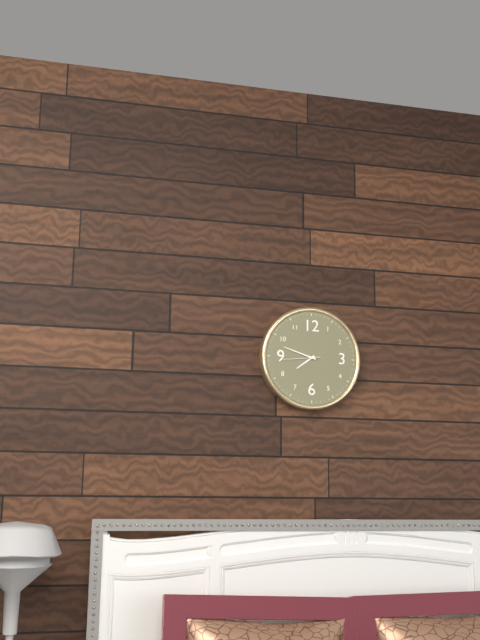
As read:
7,48
